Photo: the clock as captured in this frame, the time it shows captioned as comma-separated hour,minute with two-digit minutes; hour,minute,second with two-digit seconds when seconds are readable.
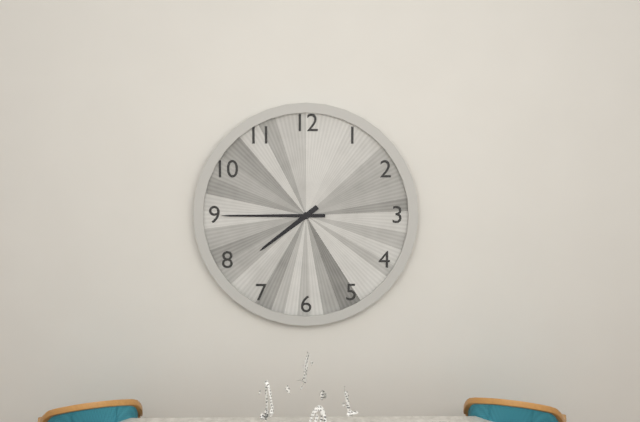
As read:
7,45
